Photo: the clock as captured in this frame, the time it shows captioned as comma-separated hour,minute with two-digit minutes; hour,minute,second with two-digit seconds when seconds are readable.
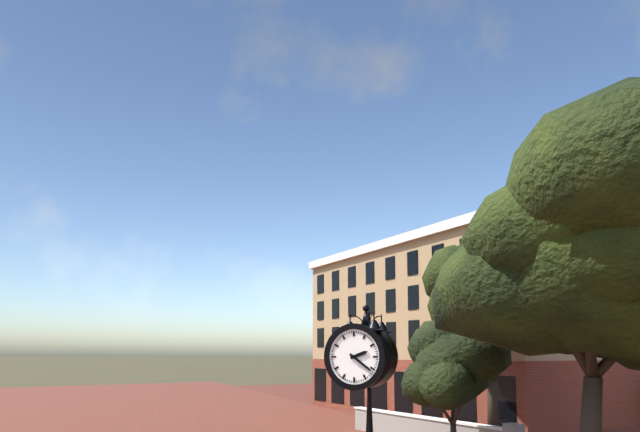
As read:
2,21
